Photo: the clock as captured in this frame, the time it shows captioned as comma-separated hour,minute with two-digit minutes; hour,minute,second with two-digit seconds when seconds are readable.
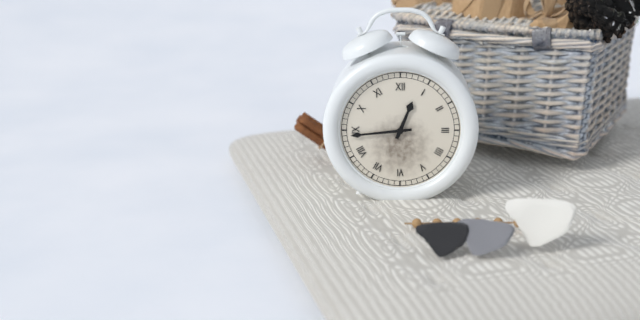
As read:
12,44
